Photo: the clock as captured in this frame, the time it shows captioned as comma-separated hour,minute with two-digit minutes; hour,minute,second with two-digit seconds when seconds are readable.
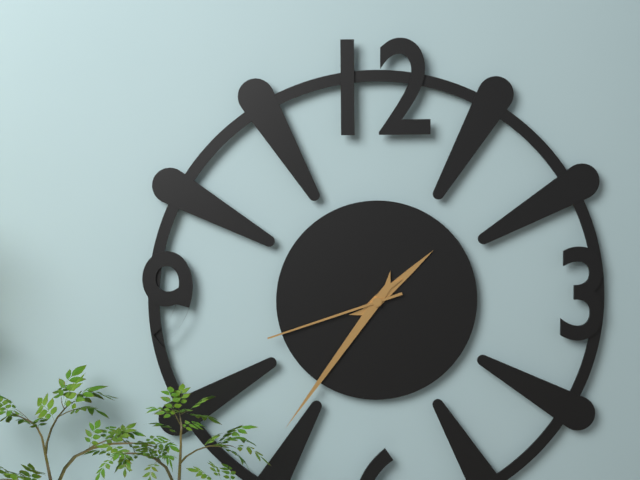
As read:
1,36,42
